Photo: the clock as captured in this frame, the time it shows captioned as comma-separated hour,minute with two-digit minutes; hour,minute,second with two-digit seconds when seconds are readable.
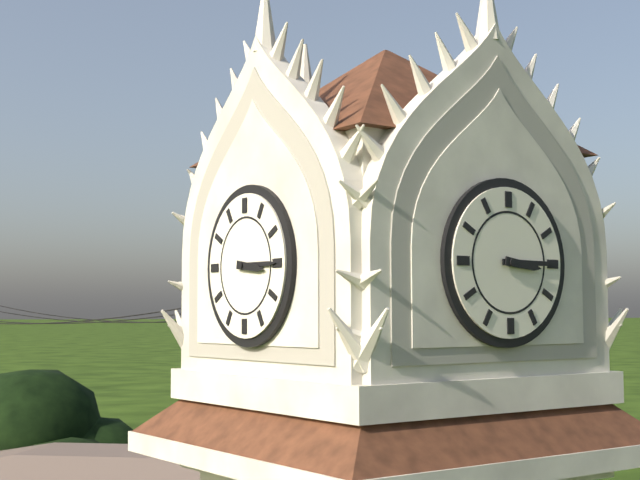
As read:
3,15
